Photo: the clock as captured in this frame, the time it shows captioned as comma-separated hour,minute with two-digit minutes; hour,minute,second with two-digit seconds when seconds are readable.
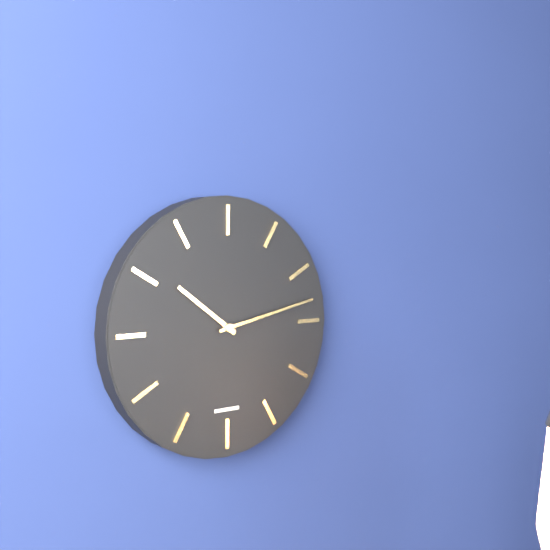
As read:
10,13
